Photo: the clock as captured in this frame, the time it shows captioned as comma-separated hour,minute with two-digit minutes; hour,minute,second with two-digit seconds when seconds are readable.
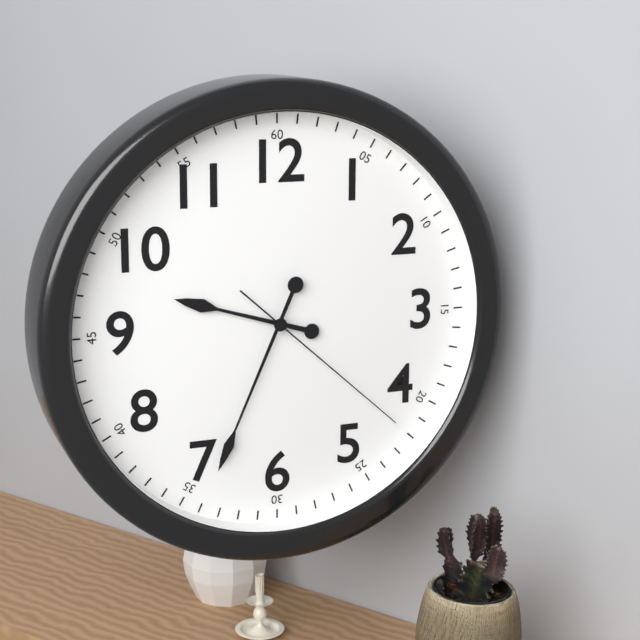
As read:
9,34,22
